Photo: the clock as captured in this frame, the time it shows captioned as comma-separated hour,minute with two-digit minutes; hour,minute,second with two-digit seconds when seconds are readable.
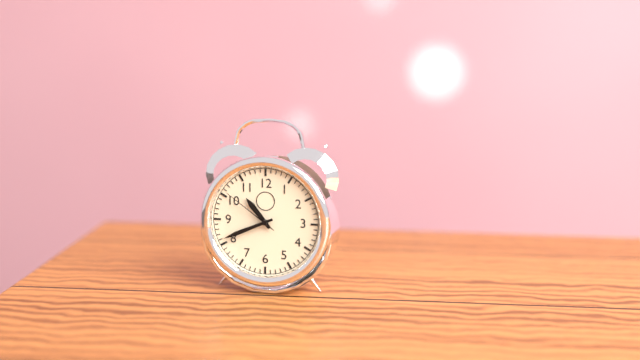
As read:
10,41,51
